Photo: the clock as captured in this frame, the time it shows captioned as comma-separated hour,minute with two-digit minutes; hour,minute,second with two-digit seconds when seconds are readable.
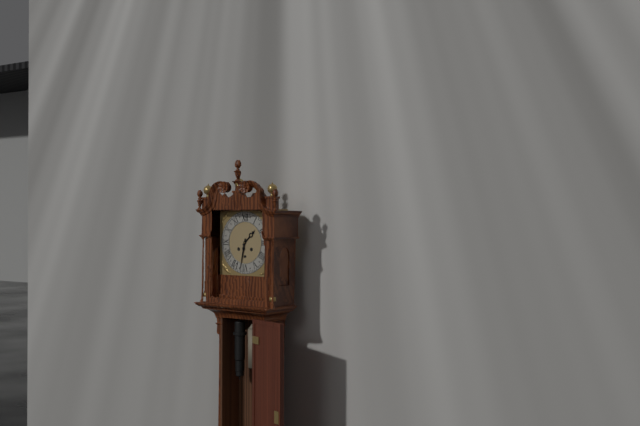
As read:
1,32
